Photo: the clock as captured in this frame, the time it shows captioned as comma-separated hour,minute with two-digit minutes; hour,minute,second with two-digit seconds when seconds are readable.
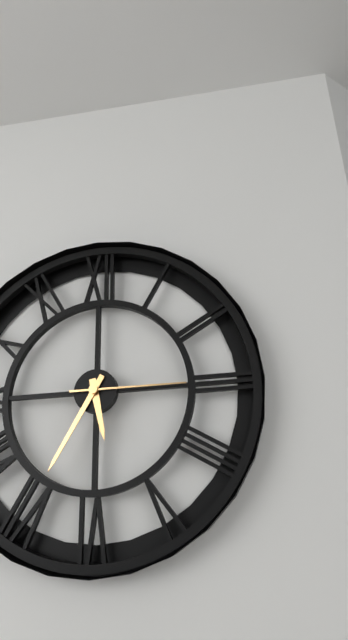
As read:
5,35,15
